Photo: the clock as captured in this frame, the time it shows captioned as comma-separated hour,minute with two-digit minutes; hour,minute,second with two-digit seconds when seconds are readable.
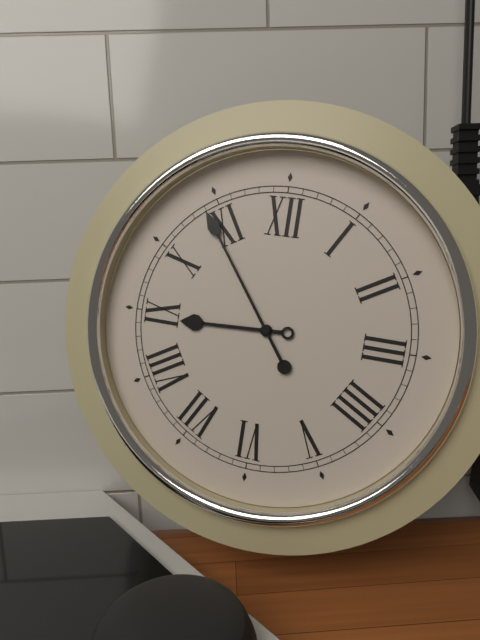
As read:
8,54
